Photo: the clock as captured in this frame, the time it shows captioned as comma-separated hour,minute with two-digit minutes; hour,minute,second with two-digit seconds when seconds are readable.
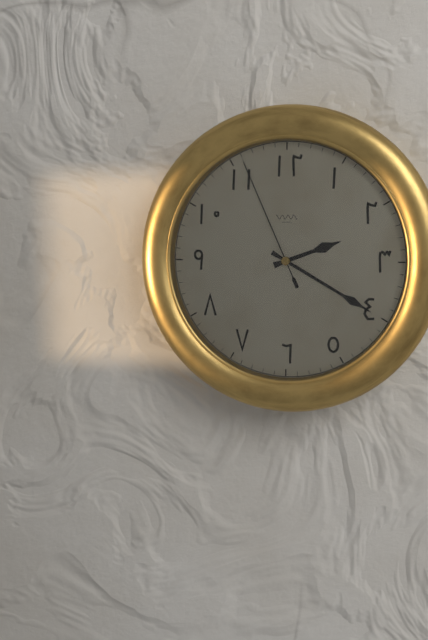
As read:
2,20,56
